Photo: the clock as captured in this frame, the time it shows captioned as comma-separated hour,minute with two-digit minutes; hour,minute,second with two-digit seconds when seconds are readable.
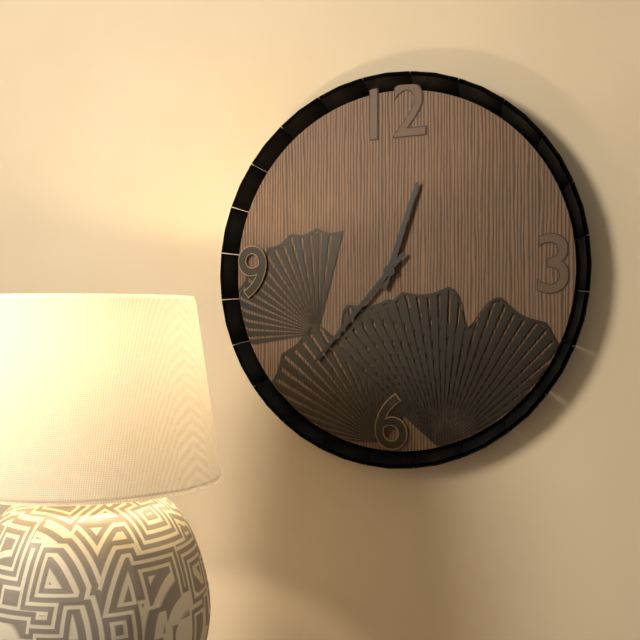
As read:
12,37
